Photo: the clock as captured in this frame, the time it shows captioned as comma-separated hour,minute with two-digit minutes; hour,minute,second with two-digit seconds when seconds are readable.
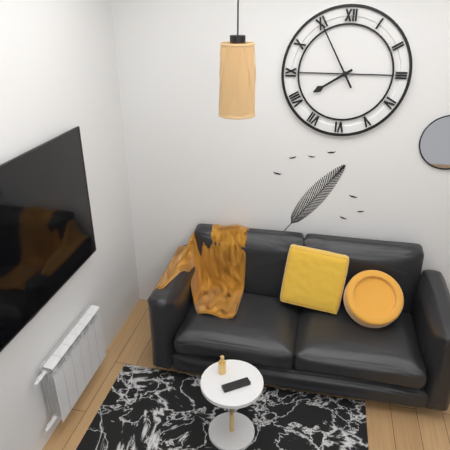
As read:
7,55
